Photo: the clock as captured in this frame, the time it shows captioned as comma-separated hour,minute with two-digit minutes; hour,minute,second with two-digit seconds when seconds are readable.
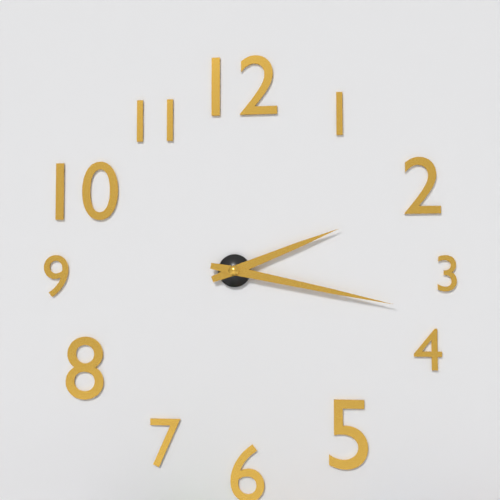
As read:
2,17
